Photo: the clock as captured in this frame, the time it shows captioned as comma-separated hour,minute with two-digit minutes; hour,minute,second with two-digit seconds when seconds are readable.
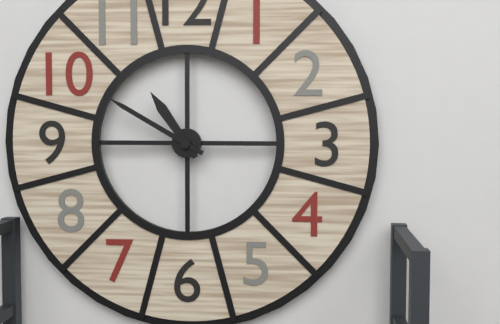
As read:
10,50
